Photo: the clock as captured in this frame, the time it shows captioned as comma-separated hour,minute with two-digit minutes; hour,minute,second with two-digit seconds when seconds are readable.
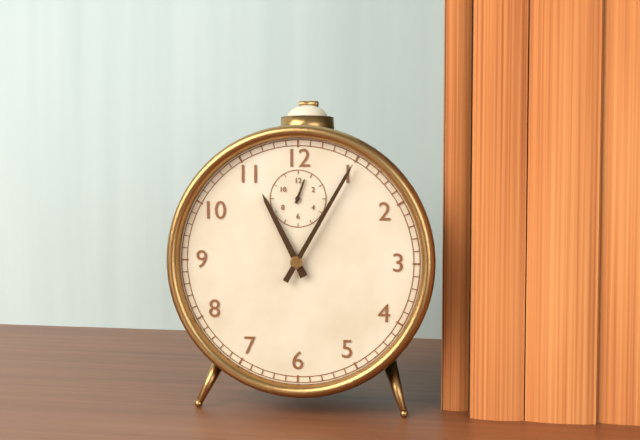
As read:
11,05
